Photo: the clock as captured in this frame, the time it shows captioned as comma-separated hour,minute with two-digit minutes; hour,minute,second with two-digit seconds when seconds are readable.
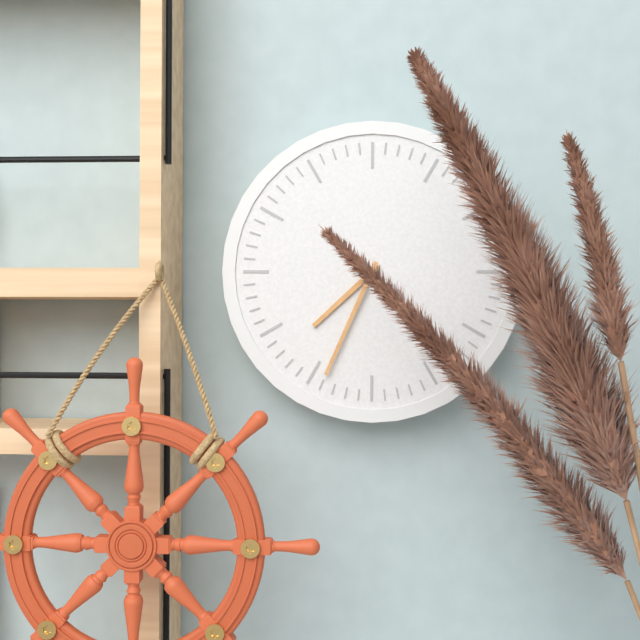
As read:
7,34
